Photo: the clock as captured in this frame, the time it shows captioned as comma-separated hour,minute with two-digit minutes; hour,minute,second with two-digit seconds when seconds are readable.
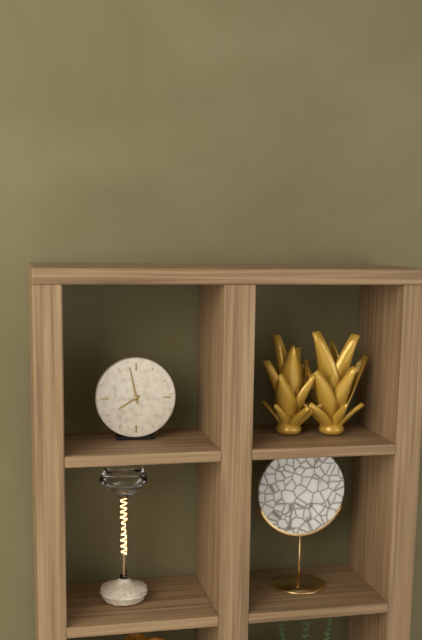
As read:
7,58
